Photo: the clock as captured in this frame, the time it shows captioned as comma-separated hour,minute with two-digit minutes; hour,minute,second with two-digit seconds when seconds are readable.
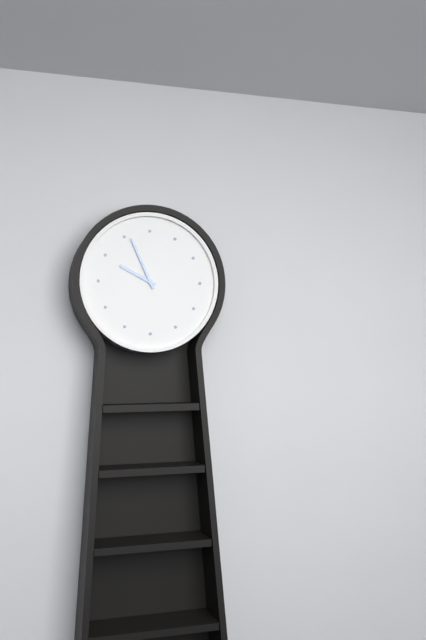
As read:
9,56
